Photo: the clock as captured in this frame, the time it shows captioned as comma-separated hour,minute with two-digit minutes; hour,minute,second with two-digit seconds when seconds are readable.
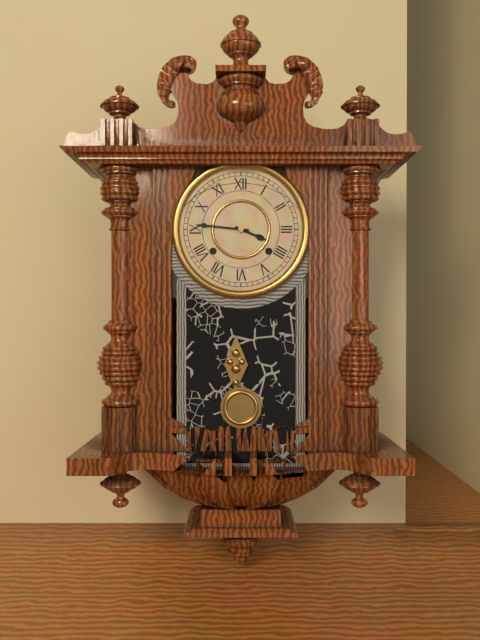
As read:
3,46
